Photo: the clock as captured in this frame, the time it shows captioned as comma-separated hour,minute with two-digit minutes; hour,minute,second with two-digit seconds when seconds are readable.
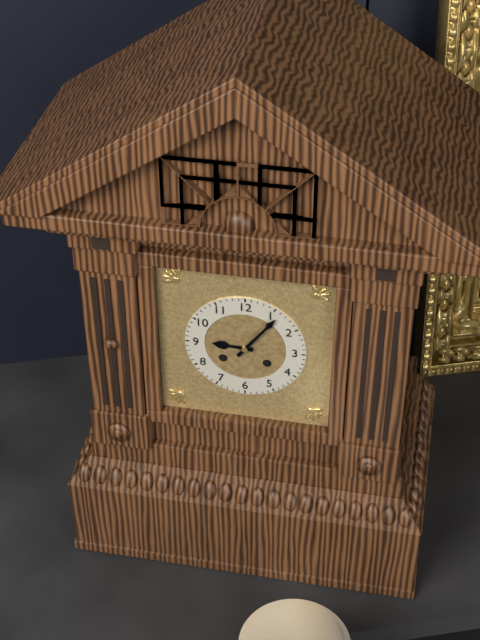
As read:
9,06
